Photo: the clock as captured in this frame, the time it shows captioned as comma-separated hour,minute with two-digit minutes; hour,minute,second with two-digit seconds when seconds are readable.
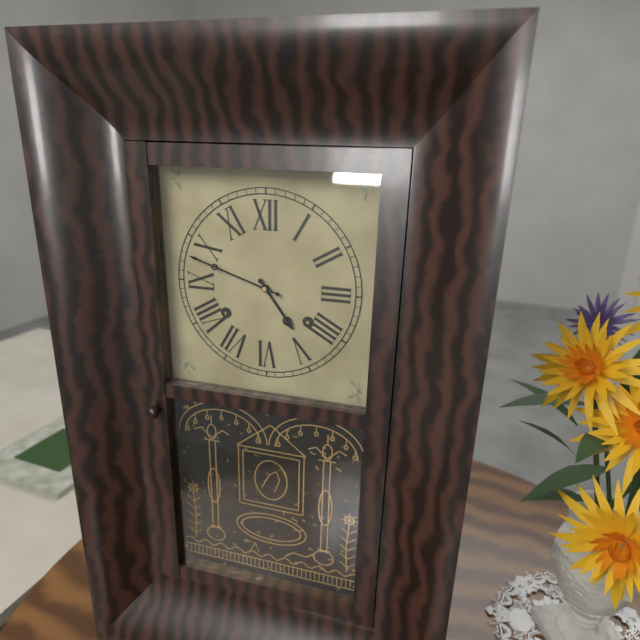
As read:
4,48
